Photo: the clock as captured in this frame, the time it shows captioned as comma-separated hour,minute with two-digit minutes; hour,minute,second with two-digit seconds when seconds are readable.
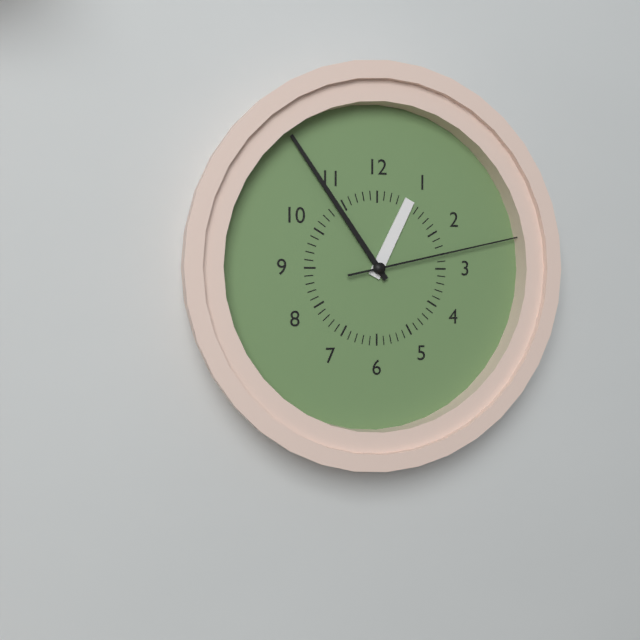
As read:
12,54,13
